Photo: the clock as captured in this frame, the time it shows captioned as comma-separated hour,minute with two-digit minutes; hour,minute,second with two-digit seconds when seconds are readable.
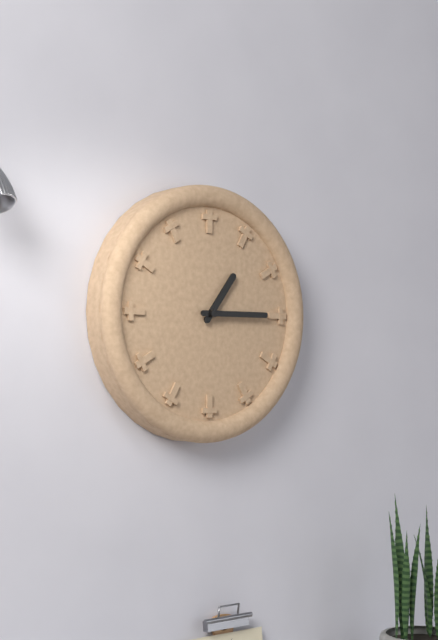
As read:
1,15
